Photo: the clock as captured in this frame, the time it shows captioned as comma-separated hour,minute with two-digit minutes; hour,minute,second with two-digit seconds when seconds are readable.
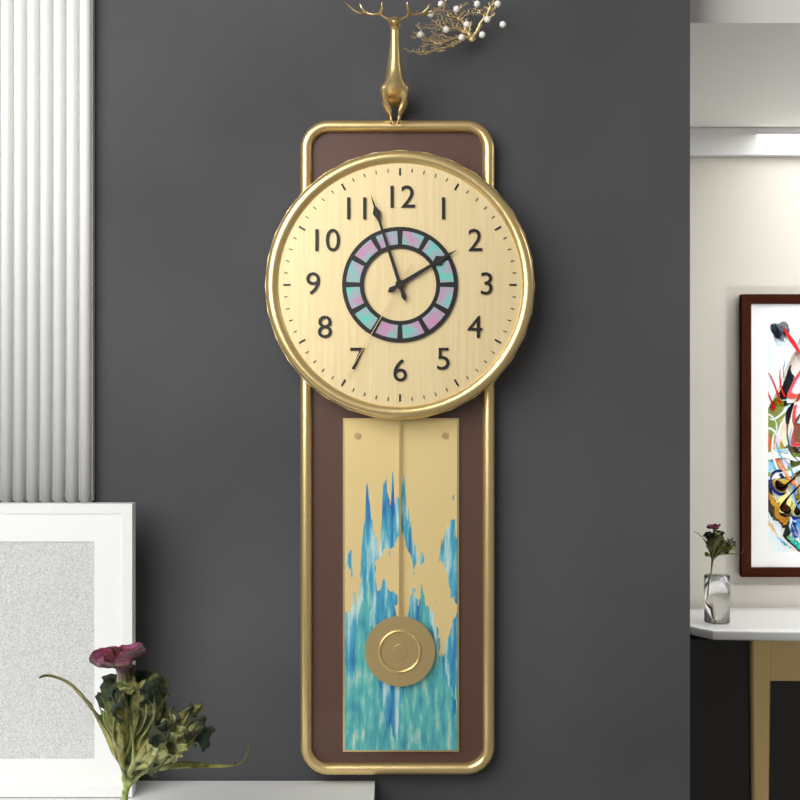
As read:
1,57,35
